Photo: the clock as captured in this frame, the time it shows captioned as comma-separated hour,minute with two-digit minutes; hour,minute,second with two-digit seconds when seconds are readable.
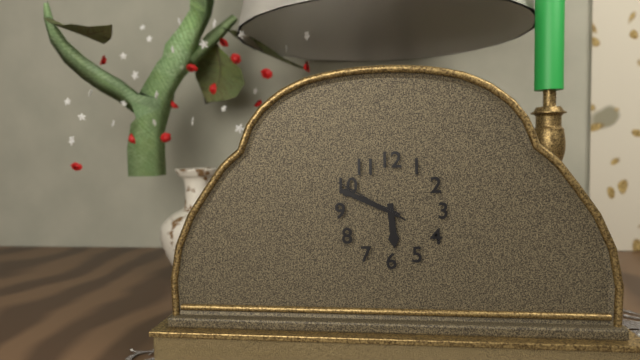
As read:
5,49,50
